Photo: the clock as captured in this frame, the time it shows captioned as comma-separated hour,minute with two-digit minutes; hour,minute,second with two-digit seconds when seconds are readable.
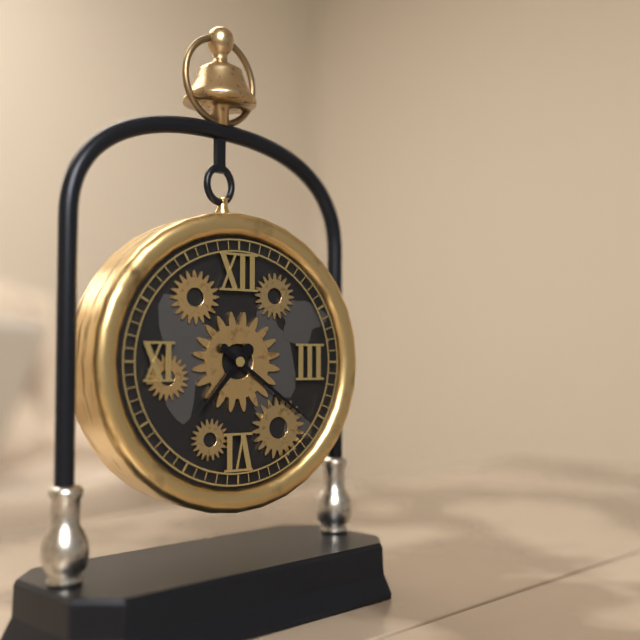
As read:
7,21
